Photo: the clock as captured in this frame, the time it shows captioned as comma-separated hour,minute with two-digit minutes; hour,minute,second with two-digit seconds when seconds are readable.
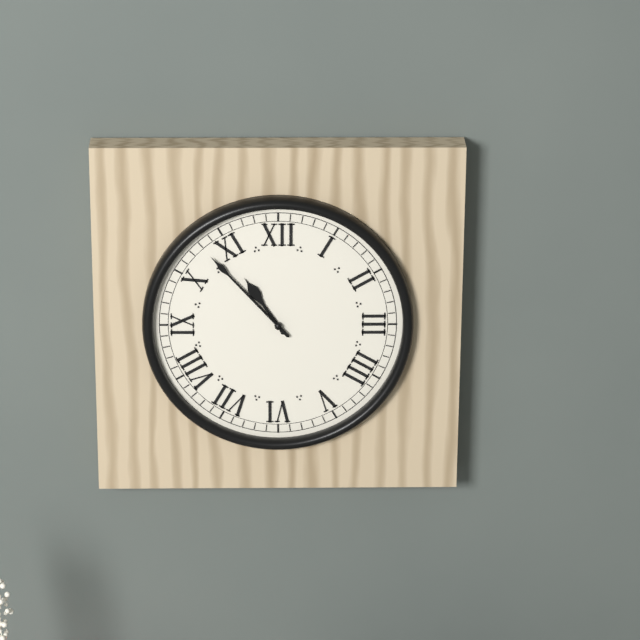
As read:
10,53
